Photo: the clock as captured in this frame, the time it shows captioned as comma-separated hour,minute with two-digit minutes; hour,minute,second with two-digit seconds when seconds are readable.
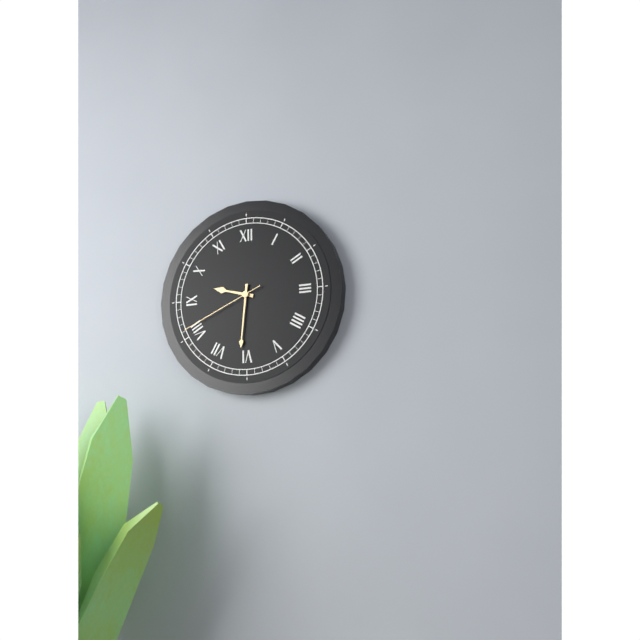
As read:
9,31,41
